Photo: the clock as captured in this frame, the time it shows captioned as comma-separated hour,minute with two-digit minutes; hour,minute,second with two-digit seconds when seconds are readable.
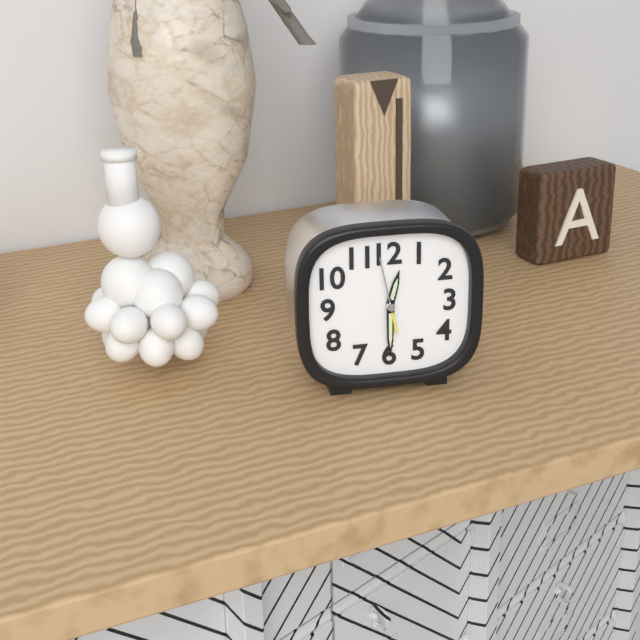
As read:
12,30,58
